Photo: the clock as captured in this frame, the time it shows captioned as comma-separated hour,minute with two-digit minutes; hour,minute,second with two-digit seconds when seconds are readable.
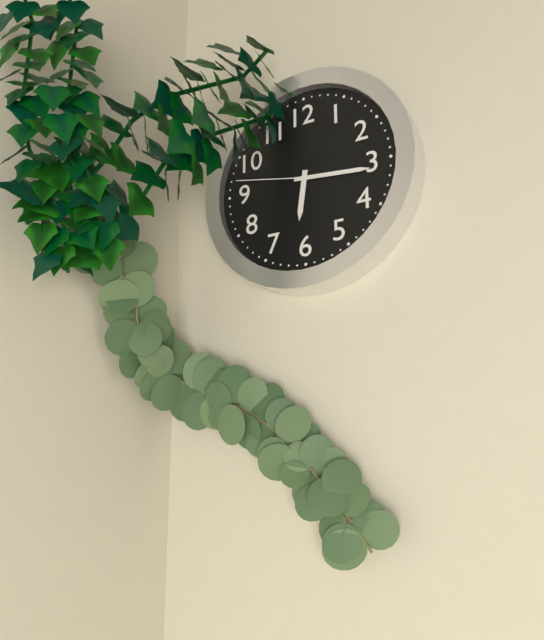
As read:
6,16,47
